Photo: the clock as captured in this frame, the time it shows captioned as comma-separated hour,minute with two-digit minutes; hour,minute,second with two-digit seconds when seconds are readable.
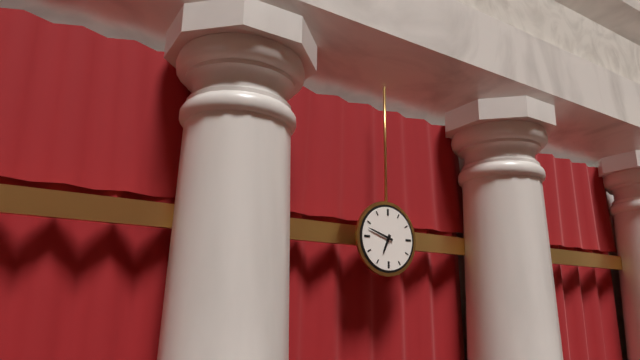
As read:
6,48
